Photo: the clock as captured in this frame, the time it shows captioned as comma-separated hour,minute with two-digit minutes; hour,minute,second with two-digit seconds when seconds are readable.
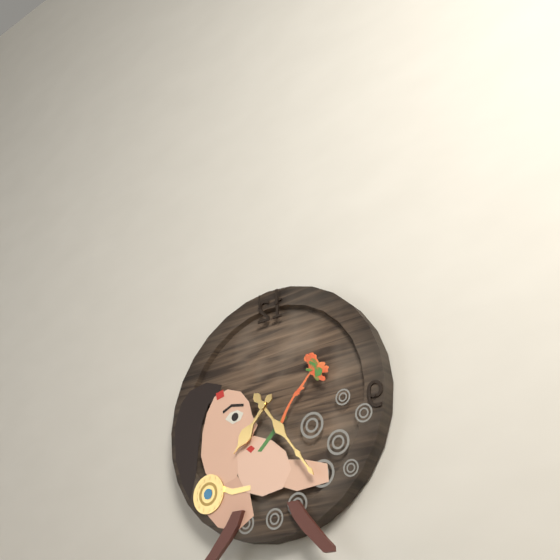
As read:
7,24
